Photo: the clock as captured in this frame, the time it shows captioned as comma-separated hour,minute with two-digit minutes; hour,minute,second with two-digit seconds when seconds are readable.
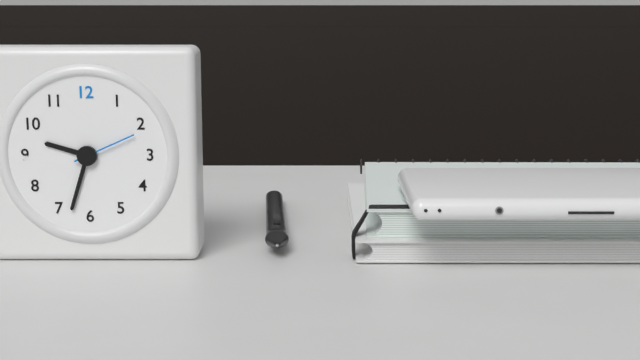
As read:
9,33,11
